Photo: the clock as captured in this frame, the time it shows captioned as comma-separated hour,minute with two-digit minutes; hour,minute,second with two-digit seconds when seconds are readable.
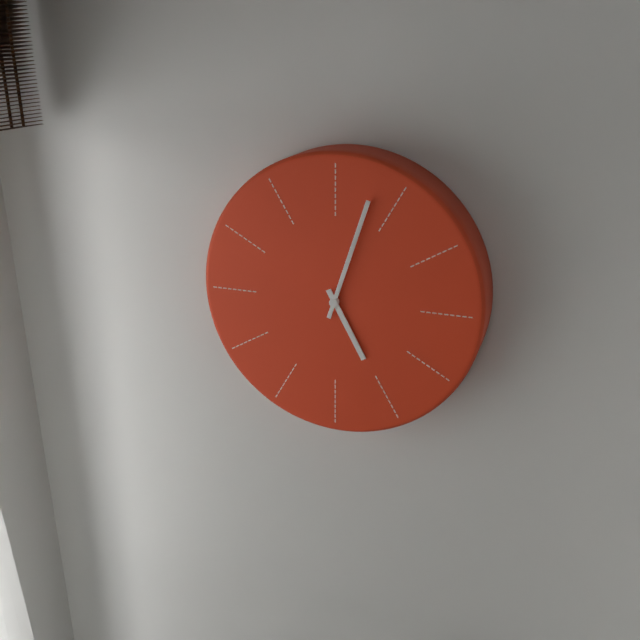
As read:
5,03
